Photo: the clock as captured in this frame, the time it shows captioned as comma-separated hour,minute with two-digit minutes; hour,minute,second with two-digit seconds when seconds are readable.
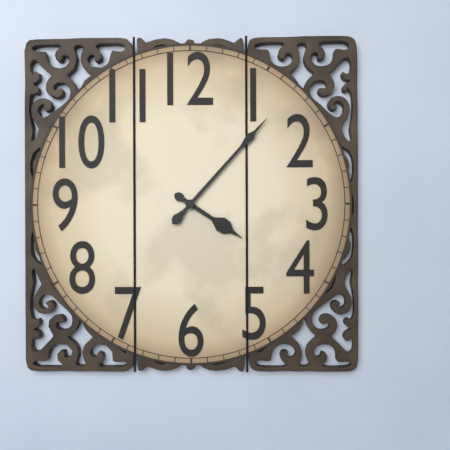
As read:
4,07
